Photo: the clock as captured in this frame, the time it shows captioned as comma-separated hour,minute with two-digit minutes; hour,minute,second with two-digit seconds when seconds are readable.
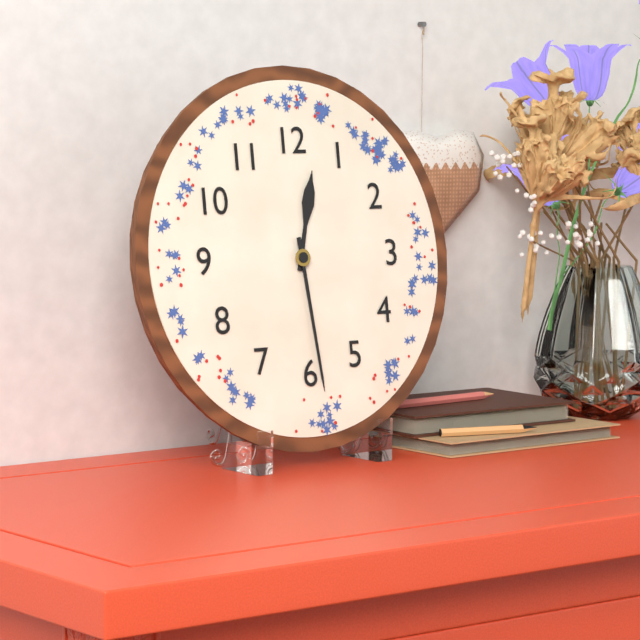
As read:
12,29
